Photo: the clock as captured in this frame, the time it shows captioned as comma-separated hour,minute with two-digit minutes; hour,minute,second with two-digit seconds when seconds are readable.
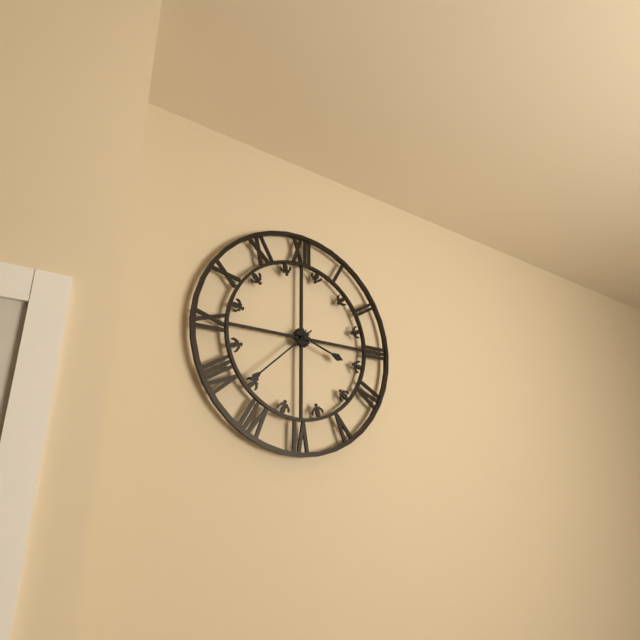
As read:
3,38
